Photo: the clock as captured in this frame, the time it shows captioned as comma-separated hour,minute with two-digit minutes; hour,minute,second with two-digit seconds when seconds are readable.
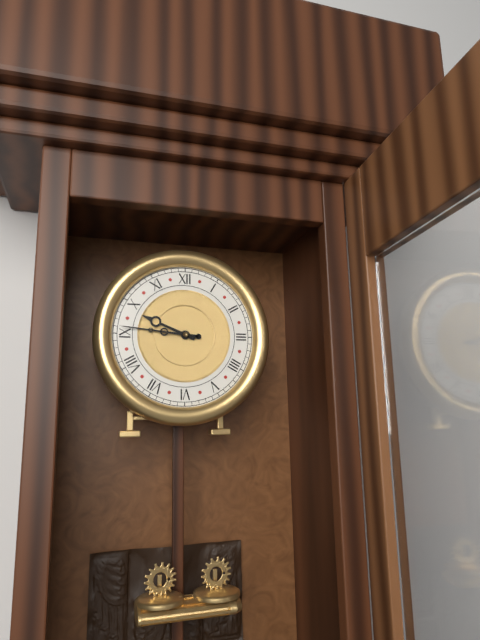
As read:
9,46
